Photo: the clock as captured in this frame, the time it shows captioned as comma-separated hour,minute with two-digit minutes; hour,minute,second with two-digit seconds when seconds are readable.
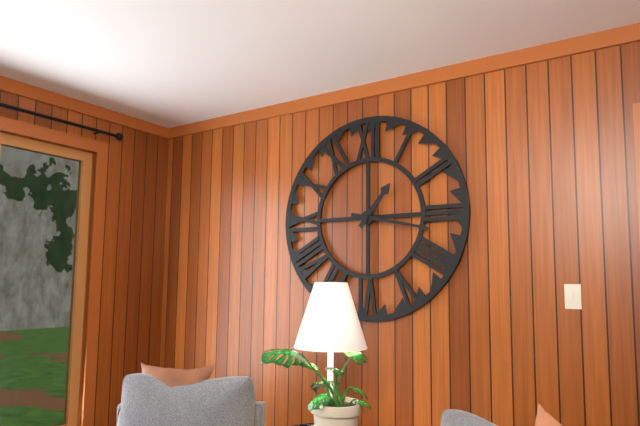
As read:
1,17
